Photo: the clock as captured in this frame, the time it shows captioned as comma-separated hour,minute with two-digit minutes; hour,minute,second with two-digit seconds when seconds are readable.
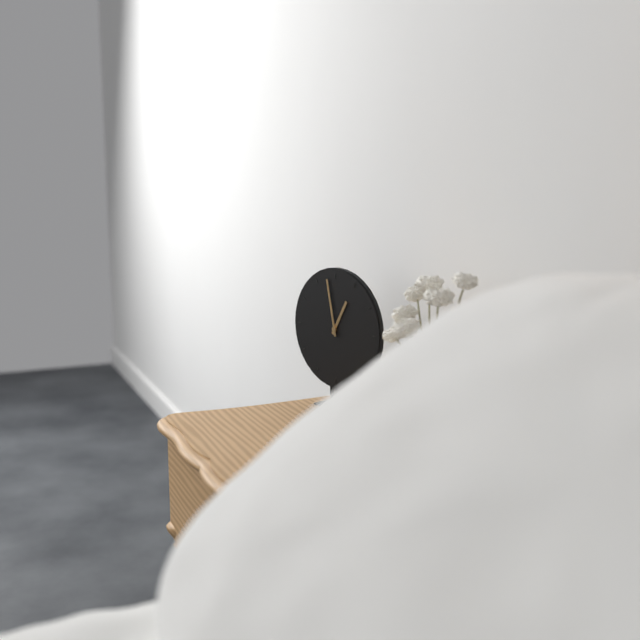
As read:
12,58
